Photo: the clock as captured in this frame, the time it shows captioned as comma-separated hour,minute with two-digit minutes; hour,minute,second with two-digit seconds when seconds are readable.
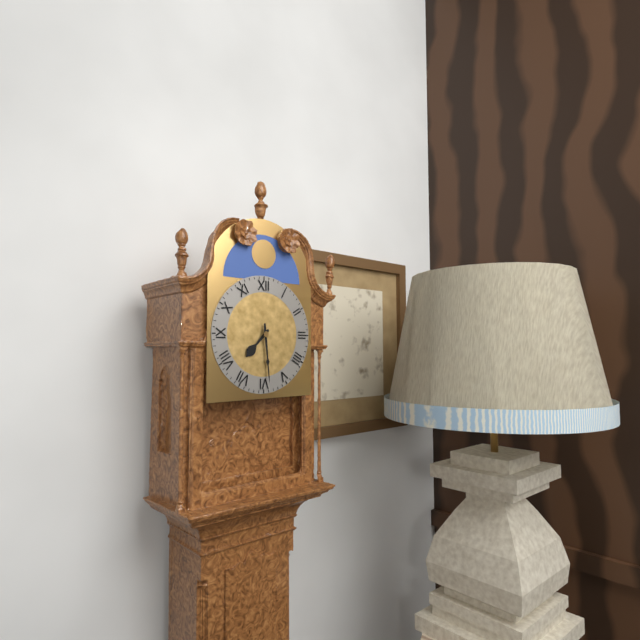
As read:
7,29
